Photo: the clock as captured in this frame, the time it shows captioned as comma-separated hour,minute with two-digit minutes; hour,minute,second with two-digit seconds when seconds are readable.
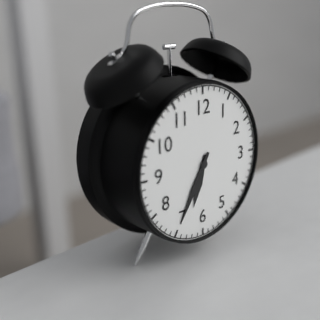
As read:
6,35
